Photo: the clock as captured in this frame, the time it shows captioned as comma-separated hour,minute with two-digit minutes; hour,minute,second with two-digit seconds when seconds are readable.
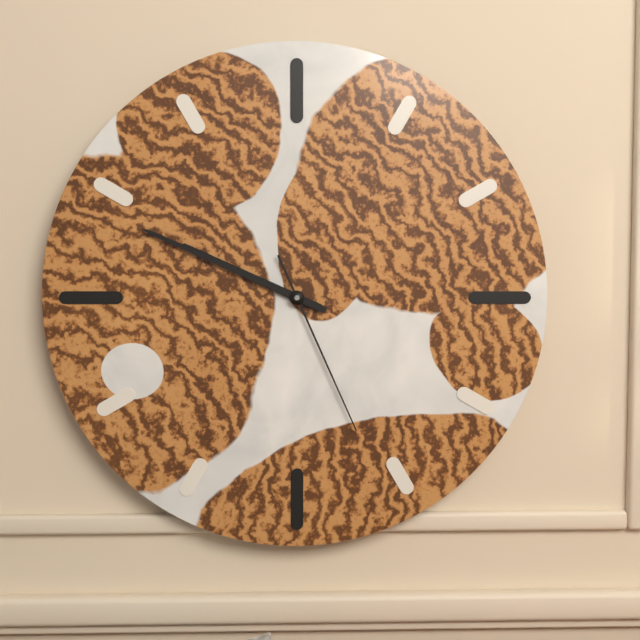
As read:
9,49,26
